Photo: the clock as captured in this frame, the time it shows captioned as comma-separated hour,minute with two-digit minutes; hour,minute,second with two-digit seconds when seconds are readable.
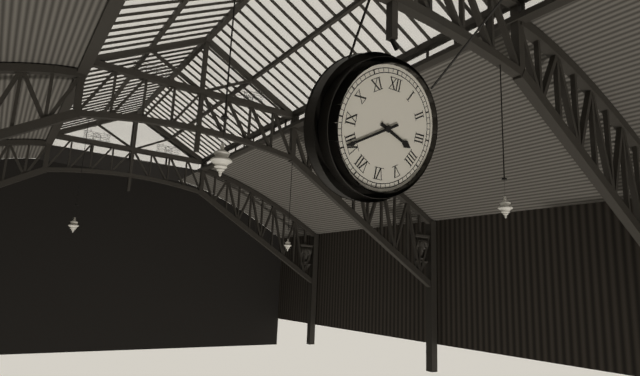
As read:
3,40
